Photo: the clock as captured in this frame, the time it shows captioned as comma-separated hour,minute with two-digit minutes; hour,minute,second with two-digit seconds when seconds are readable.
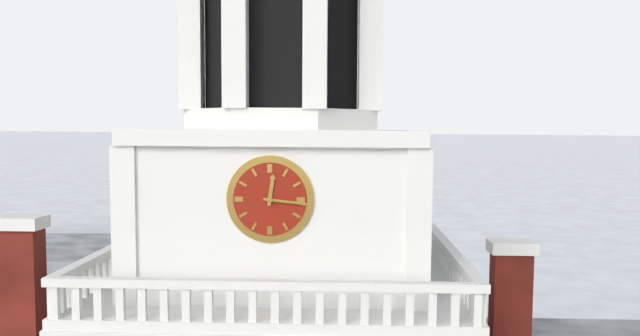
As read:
12,16
